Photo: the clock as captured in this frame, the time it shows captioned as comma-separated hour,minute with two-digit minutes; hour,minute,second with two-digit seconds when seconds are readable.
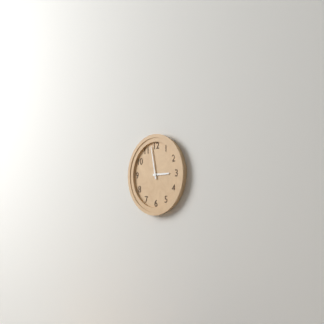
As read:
2,58
